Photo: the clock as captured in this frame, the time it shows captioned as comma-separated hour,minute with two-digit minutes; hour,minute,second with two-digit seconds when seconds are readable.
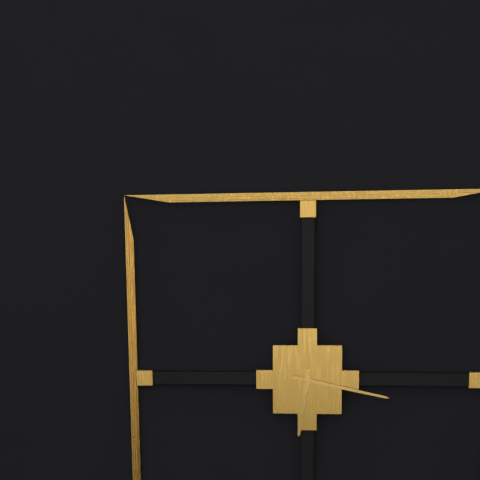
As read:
6,17
